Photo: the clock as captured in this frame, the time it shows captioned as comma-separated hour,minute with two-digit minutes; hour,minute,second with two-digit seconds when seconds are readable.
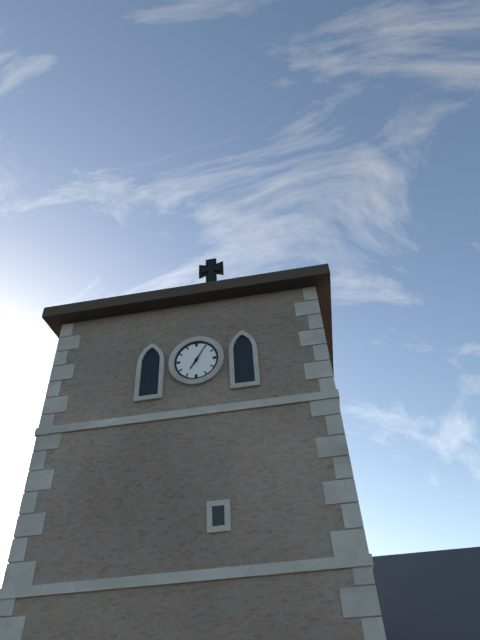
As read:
7,05
